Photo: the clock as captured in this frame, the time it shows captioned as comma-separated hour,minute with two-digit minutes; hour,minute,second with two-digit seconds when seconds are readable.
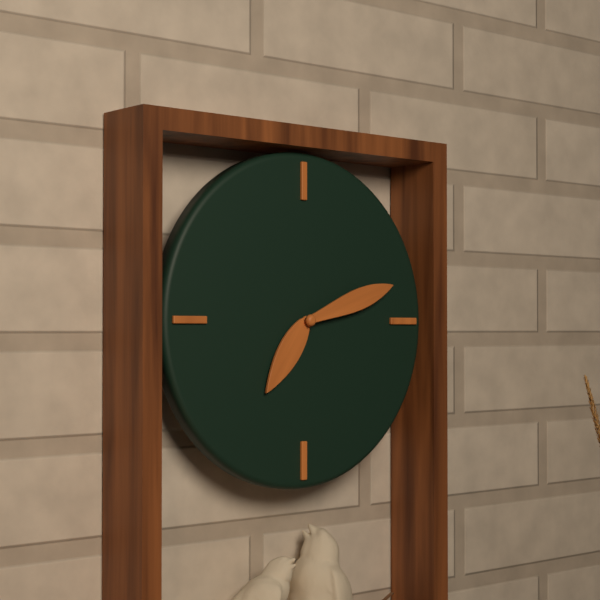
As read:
7,12
